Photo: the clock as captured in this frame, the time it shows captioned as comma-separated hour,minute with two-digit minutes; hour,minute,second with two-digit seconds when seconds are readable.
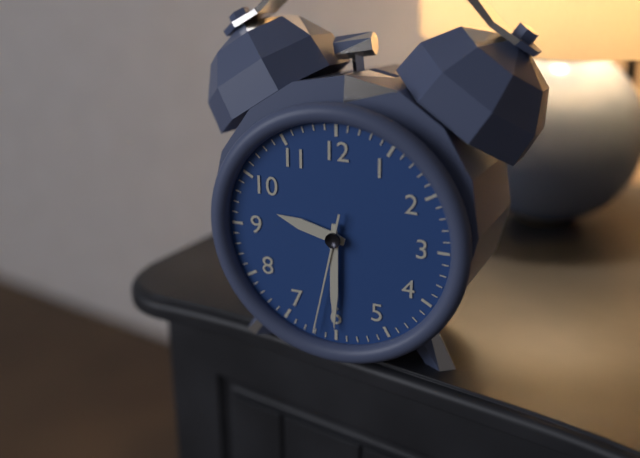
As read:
9,30,32
